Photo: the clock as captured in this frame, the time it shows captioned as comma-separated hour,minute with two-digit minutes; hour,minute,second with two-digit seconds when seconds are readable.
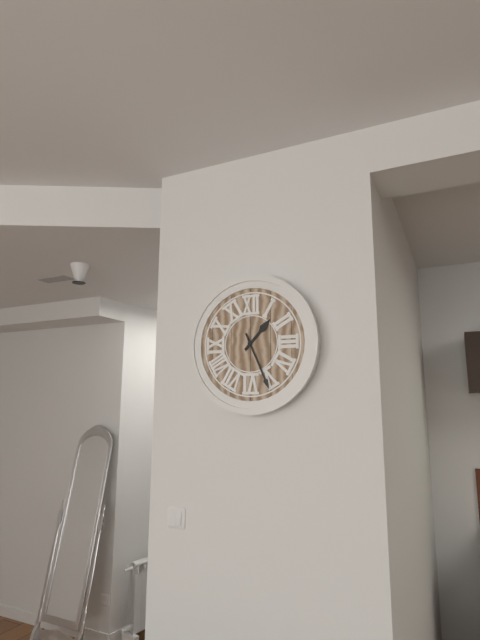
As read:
1,26
